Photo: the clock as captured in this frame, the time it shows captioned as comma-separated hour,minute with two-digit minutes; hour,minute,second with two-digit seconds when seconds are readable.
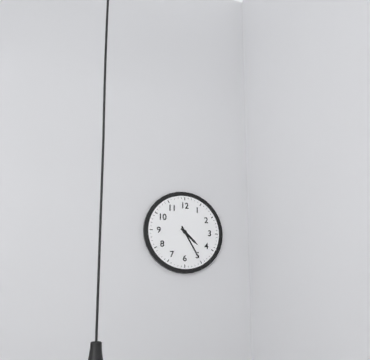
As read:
4,25
